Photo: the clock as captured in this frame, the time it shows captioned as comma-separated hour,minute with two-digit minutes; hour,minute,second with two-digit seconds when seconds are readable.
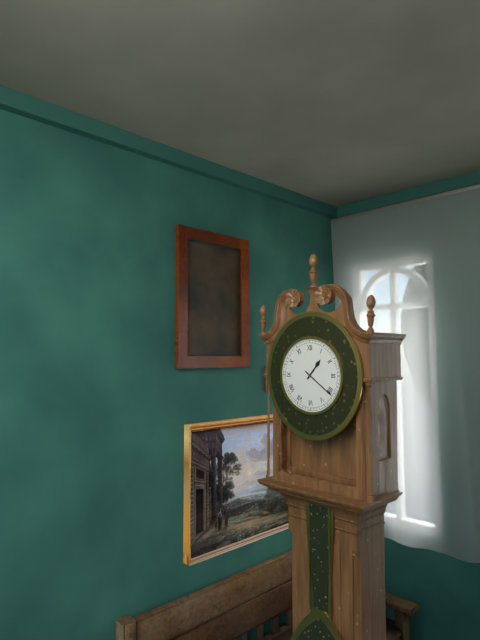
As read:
1,21
